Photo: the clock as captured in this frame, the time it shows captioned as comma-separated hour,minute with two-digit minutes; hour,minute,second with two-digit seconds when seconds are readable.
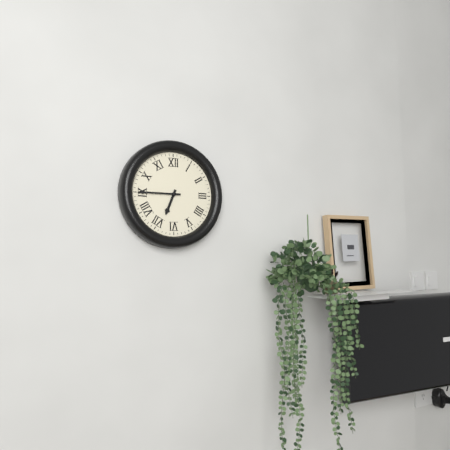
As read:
6,45
